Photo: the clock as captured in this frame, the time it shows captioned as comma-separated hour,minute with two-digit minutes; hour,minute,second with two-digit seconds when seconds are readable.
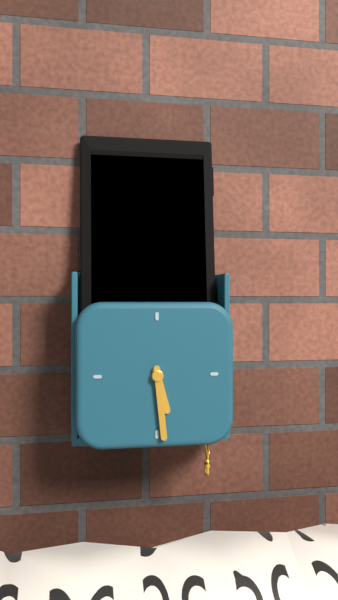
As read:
5,29
